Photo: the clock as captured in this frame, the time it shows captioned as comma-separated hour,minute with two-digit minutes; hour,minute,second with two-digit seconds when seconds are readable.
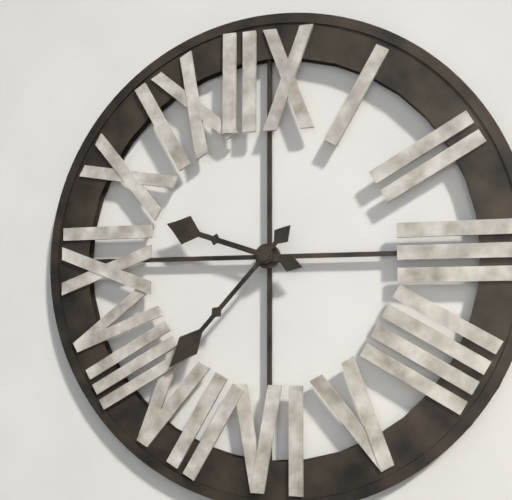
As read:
9,37
